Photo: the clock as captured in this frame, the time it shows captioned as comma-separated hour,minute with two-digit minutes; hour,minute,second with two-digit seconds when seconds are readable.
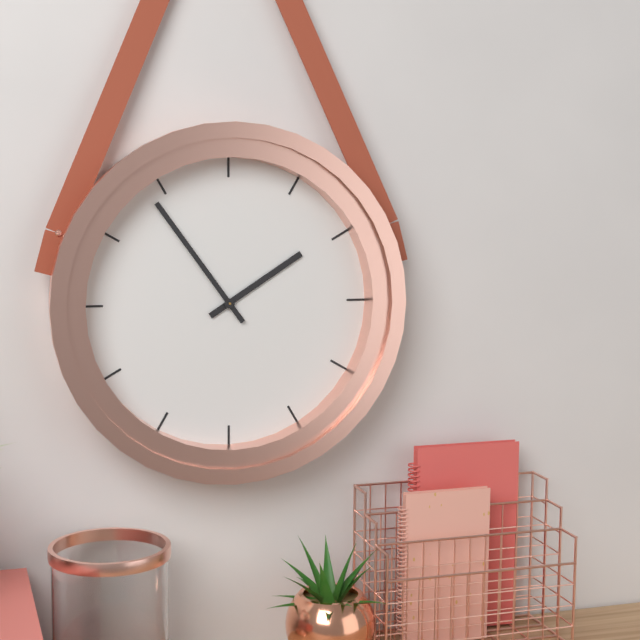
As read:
1,54
